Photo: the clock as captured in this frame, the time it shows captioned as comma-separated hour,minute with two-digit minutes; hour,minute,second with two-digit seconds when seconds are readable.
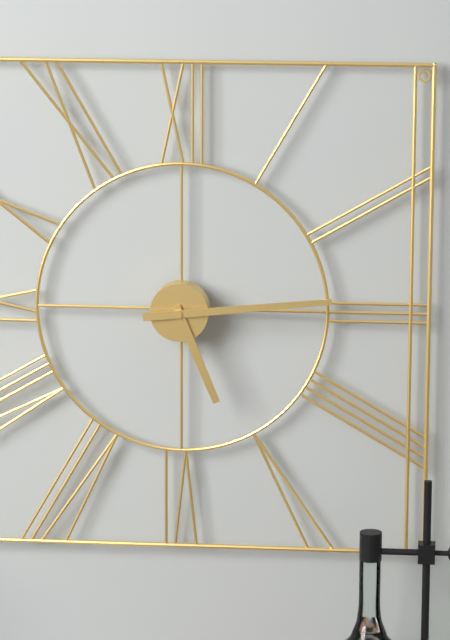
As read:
5,14
